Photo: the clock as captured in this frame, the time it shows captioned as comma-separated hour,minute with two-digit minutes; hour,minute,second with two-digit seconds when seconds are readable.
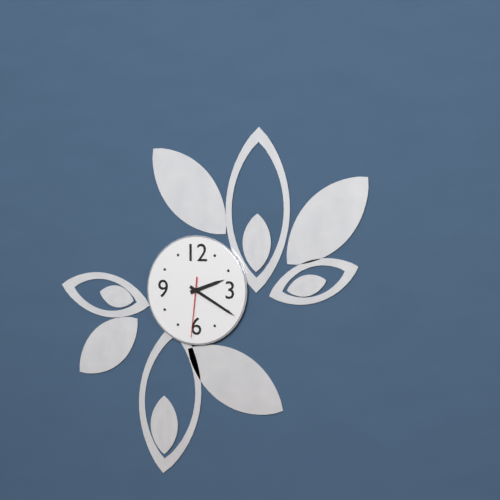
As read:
2,20,31
